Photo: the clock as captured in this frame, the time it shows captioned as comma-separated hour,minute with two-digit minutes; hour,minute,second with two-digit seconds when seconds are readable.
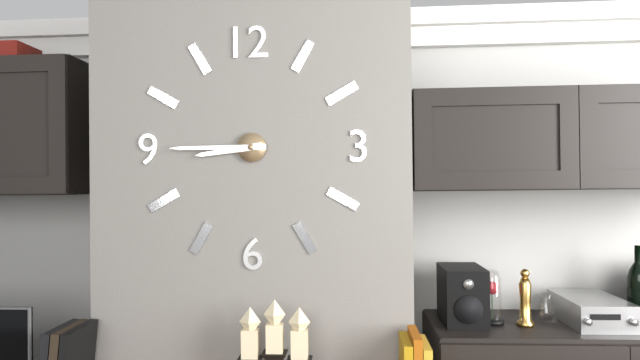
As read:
8,45
